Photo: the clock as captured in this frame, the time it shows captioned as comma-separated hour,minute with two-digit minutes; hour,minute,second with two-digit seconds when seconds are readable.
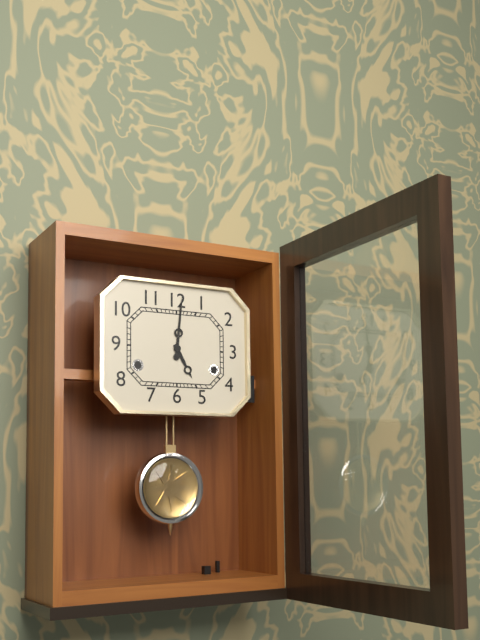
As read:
5,01
